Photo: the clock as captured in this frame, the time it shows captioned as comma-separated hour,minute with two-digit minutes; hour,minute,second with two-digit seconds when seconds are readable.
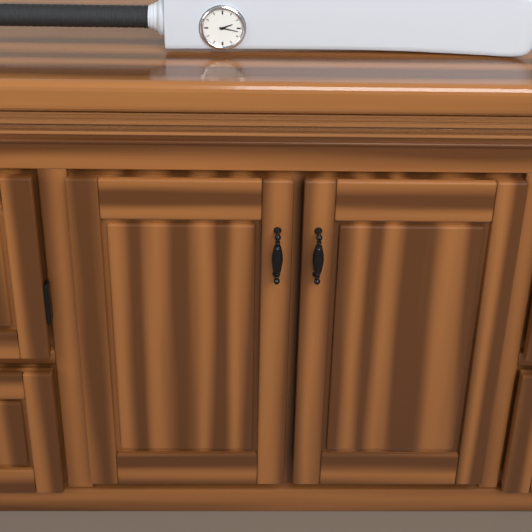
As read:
2,17
